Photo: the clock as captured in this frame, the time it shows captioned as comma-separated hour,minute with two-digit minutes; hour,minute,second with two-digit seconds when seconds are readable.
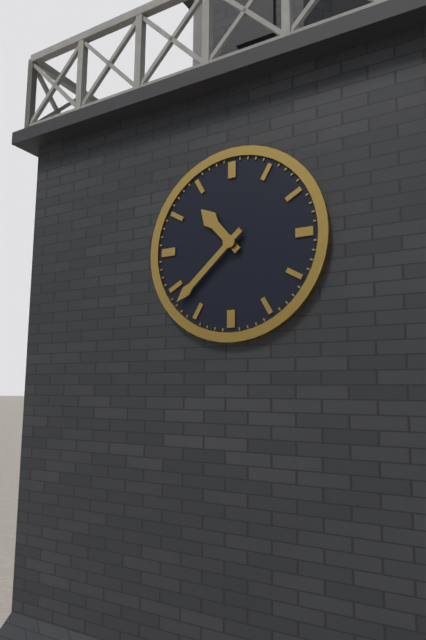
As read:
10,38
